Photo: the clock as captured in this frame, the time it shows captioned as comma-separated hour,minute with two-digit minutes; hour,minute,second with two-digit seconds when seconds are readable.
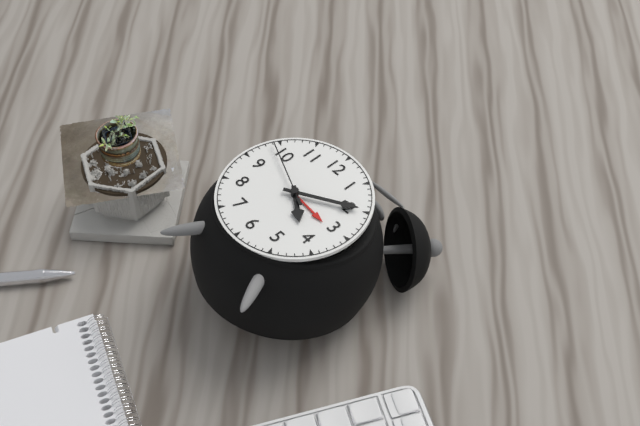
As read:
4,10,49
